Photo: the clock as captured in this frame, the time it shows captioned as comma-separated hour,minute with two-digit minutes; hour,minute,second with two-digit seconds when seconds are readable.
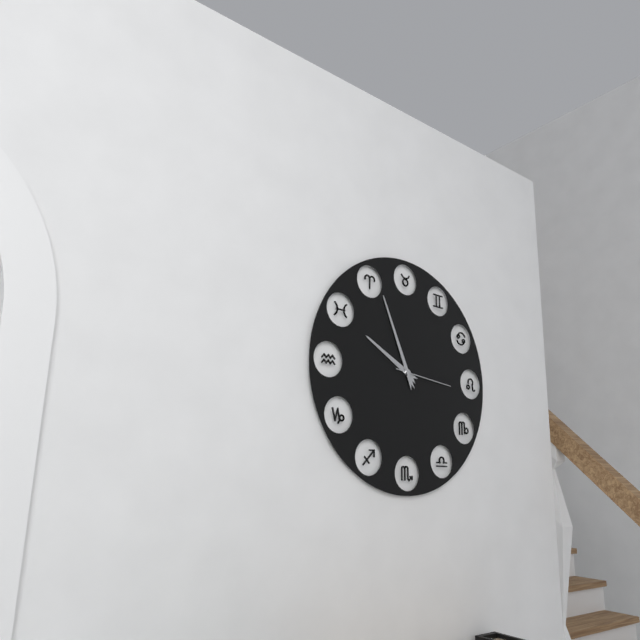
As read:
9,56,16
